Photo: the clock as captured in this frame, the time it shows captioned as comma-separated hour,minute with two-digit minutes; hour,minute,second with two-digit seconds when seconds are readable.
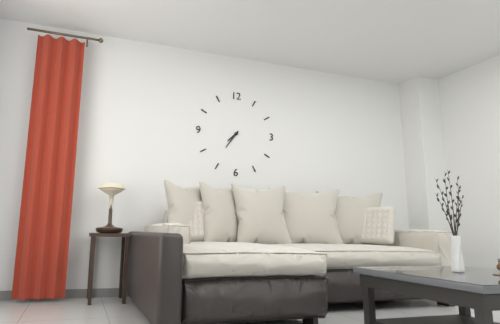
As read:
7,36
